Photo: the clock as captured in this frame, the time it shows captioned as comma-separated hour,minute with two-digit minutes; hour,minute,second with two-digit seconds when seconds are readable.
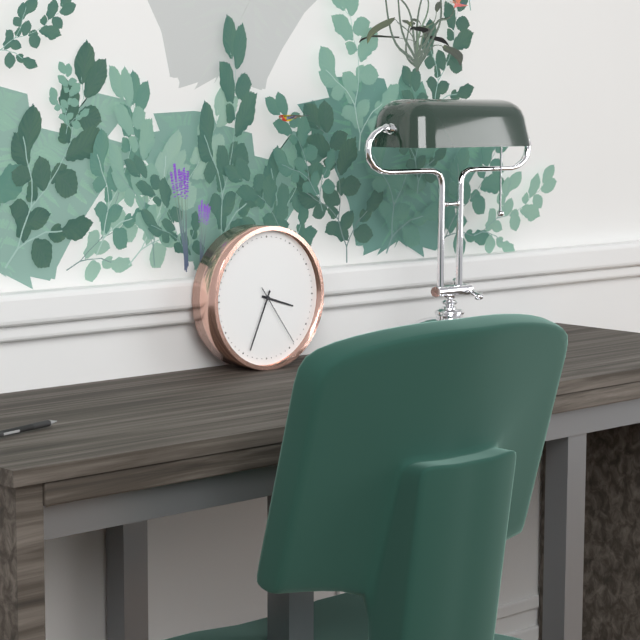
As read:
3,34,24
